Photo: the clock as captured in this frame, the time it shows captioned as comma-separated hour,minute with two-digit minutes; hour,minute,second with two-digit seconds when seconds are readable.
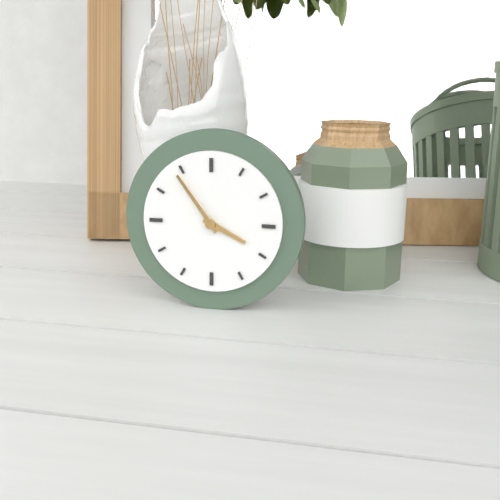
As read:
3,54
